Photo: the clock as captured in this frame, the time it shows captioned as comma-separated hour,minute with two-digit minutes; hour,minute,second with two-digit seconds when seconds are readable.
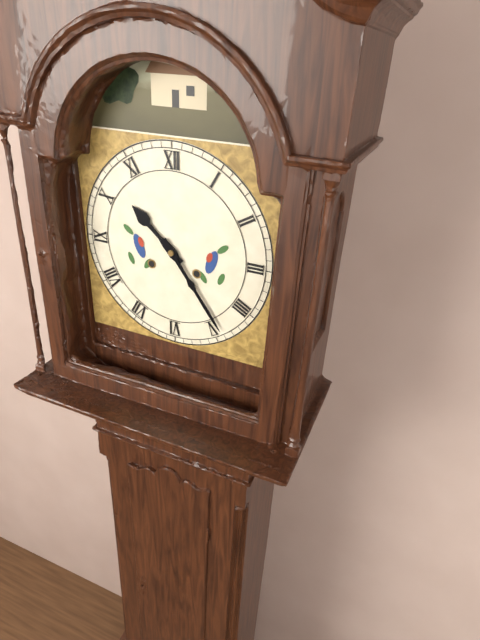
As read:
10,24
